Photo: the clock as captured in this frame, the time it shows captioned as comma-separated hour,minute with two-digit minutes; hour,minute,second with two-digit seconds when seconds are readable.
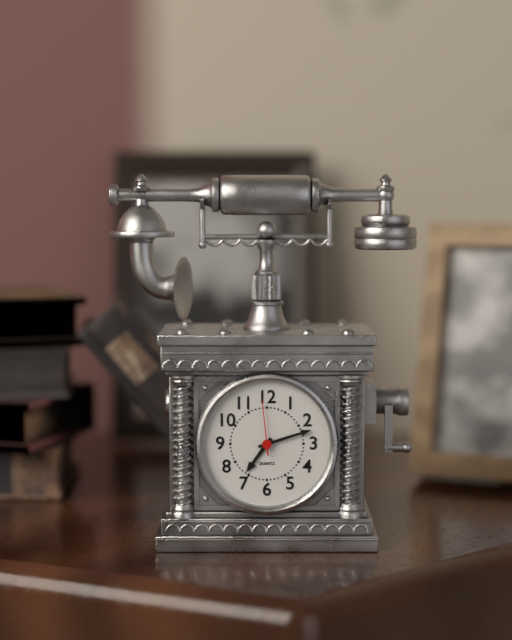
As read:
7,12,59
